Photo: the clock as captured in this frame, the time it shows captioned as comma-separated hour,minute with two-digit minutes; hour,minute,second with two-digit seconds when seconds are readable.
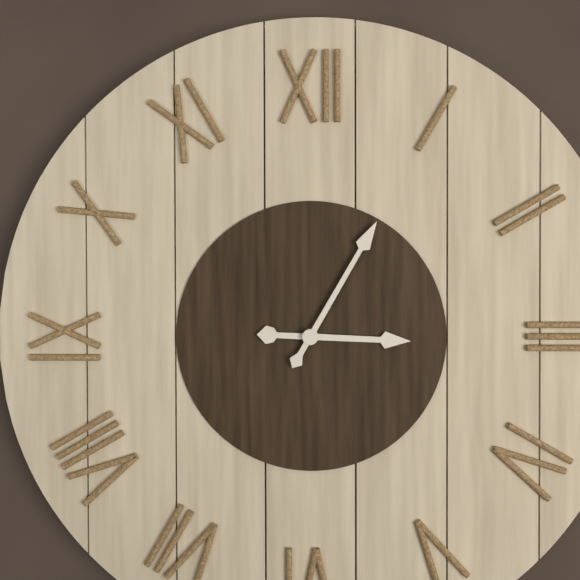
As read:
3,05
